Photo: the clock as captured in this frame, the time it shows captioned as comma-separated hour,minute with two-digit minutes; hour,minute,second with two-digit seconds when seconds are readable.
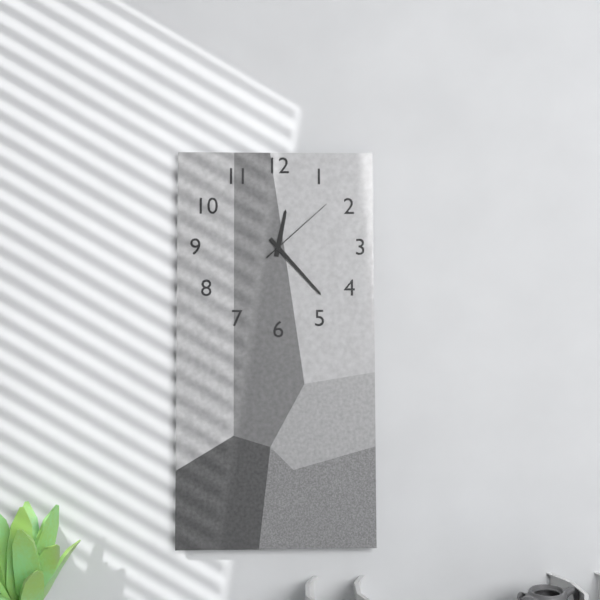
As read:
12,23,08
